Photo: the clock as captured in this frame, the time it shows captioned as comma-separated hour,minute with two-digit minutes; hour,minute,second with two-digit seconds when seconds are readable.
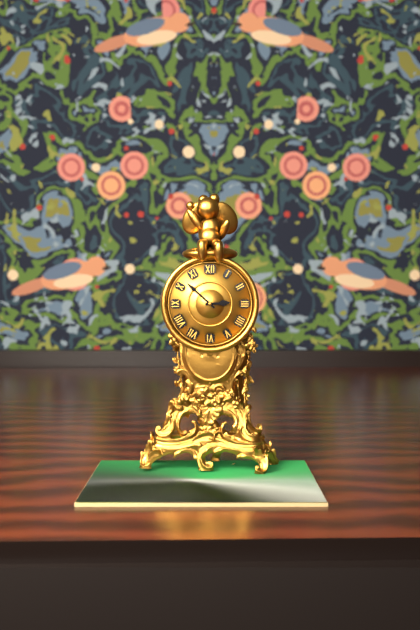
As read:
2,52
